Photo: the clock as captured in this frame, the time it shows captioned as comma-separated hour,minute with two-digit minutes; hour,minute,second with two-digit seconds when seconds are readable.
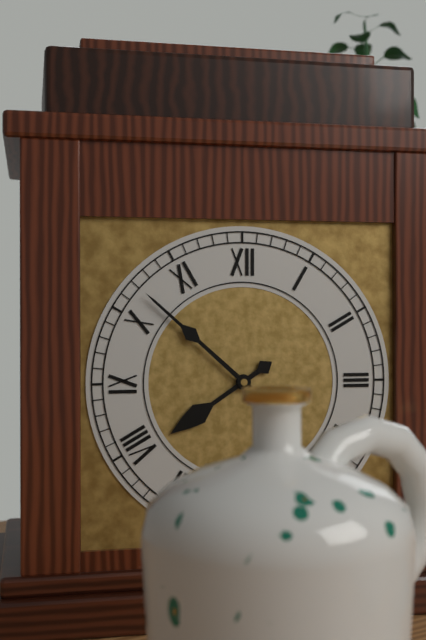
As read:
7,52
